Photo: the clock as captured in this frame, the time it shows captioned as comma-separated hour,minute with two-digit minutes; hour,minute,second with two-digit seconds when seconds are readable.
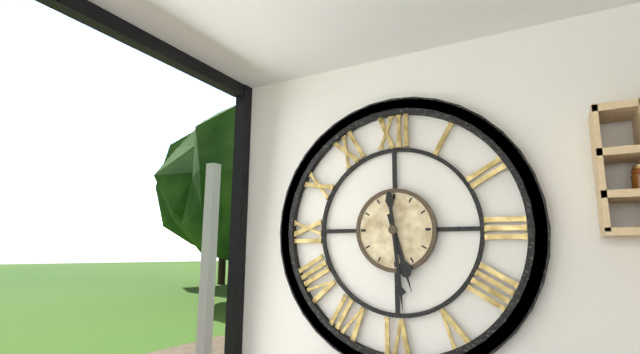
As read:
5,29
